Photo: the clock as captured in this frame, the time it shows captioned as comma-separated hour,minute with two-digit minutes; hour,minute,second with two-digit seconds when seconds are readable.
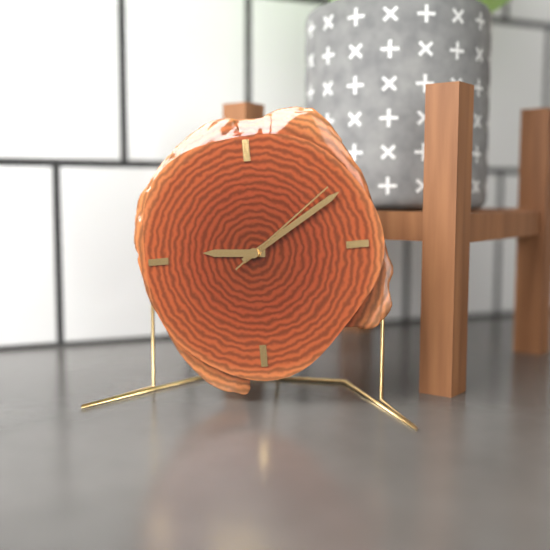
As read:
9,10,09
